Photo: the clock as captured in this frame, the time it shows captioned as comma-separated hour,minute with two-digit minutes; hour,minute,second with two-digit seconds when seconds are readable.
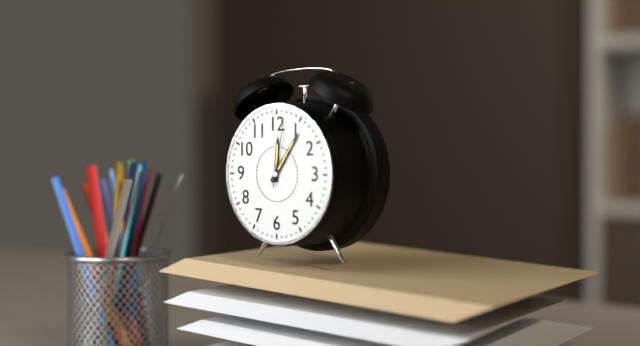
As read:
12,06,02
